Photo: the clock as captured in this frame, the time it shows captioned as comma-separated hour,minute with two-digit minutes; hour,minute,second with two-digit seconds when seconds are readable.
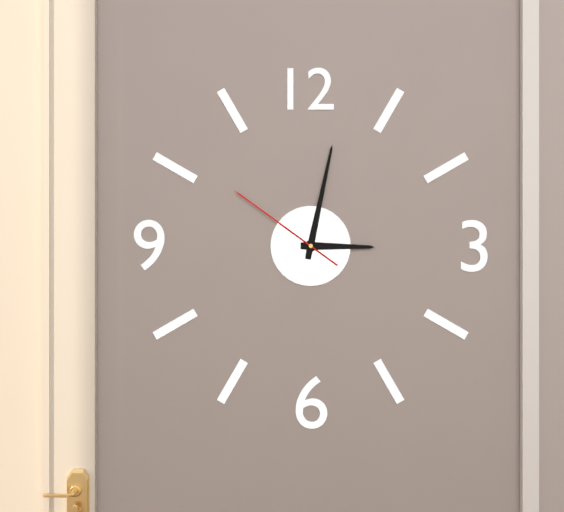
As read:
3,02,51
